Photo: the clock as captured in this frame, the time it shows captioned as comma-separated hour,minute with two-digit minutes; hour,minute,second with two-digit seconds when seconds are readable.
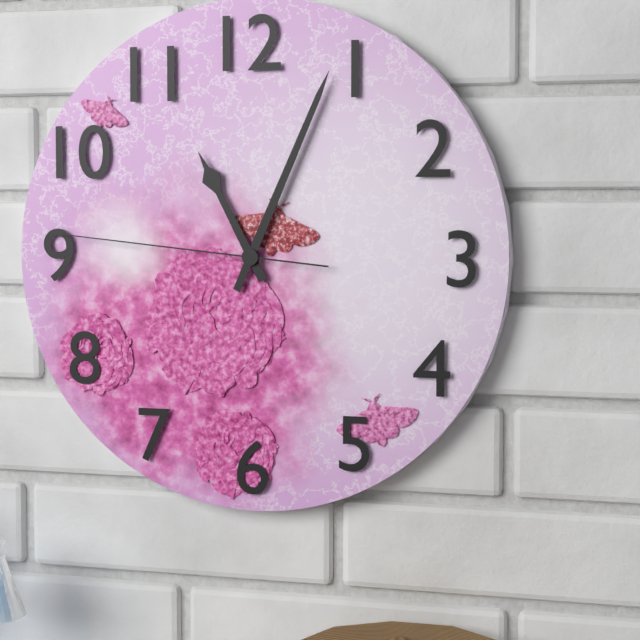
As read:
11,04,46
